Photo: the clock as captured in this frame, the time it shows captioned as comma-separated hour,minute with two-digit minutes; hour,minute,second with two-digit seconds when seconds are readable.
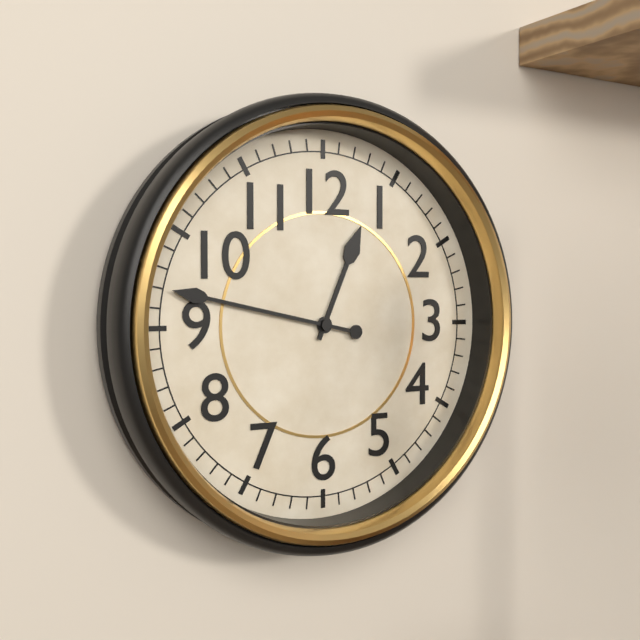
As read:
12,47
